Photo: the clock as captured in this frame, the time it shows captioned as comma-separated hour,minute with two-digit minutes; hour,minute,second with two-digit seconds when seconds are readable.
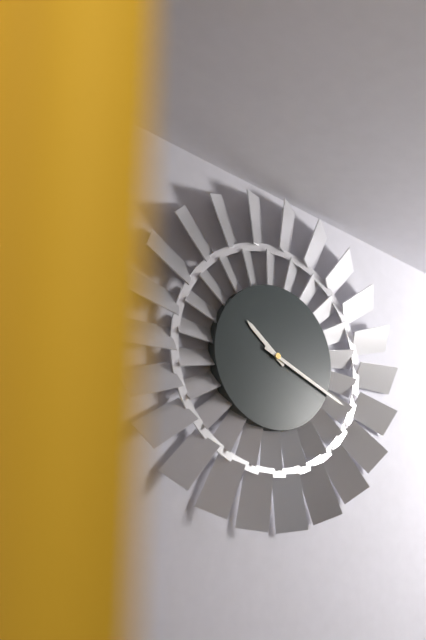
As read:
10,19
